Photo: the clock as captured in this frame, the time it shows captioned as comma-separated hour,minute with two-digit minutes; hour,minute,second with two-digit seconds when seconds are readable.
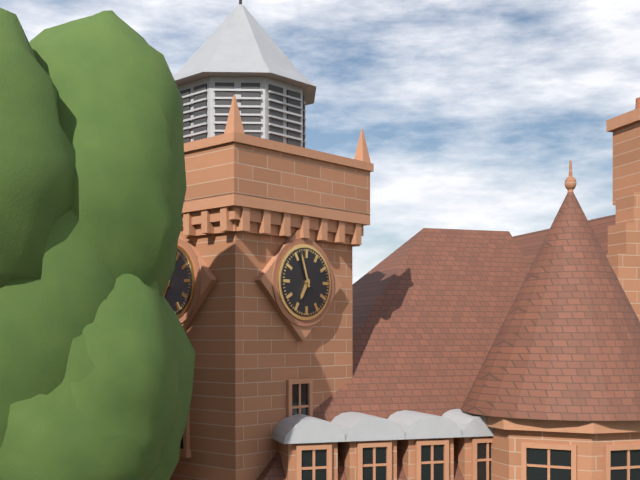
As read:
6,57
